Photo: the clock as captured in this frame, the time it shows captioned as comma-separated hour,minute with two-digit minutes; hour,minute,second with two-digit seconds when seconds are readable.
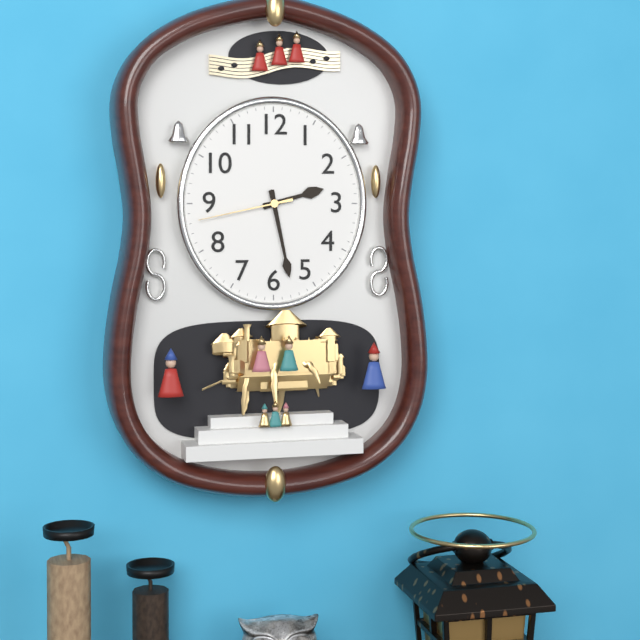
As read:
2,28,43
